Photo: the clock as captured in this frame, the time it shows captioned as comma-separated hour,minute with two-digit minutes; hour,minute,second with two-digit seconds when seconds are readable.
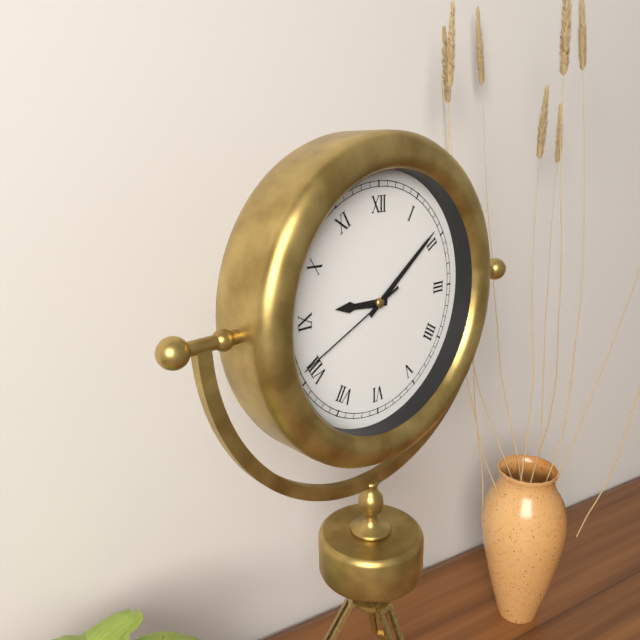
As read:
9,09,41
